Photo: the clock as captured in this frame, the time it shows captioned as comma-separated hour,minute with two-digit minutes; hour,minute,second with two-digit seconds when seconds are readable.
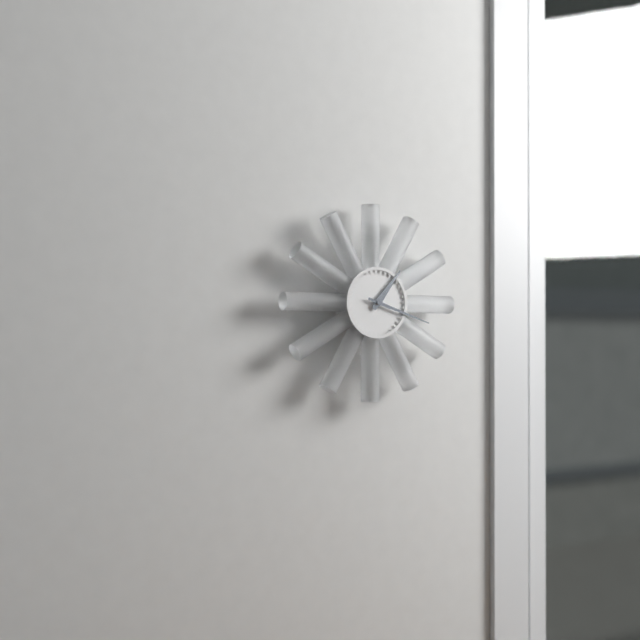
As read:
1,18
